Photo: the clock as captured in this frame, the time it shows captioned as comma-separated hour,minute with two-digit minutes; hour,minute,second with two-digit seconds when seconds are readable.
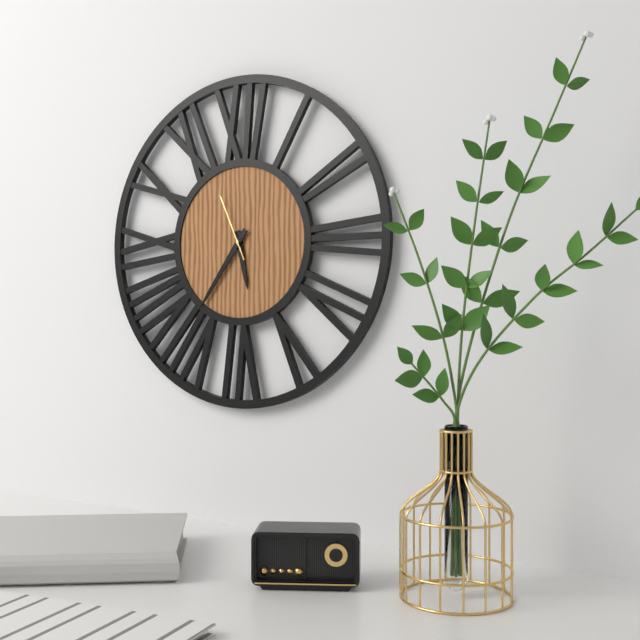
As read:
5,36,56
